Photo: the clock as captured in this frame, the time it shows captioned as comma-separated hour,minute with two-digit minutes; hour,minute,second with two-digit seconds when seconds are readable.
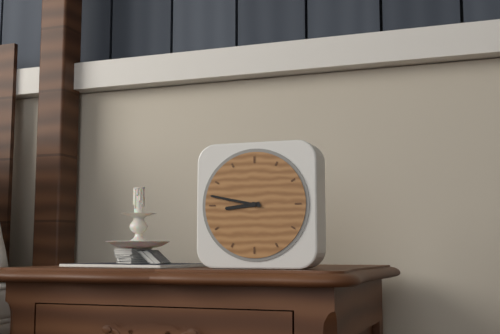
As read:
8,47
